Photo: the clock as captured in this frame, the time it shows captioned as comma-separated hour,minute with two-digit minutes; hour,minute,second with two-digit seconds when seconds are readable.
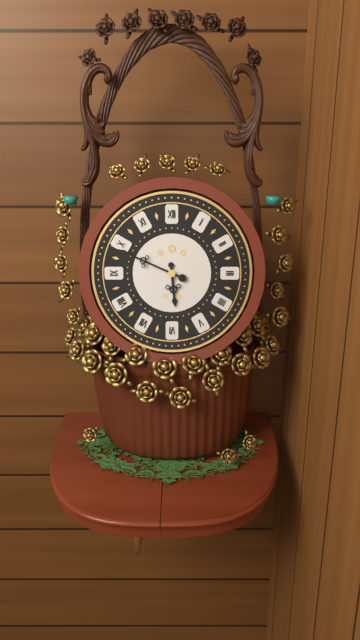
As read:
5,49
